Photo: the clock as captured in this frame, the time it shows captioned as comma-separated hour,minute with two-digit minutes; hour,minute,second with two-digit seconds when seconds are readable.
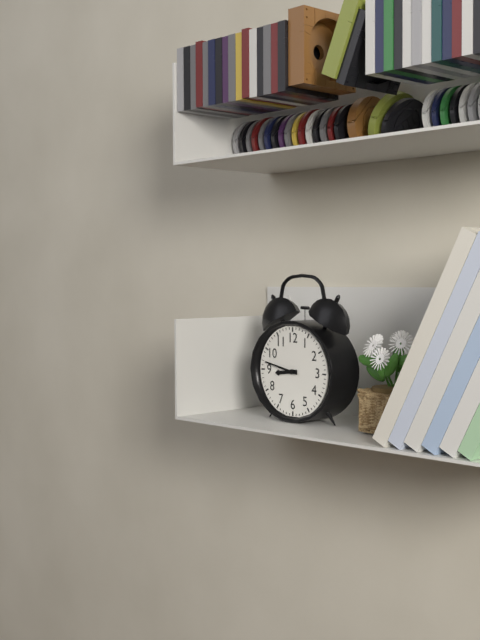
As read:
8,47
